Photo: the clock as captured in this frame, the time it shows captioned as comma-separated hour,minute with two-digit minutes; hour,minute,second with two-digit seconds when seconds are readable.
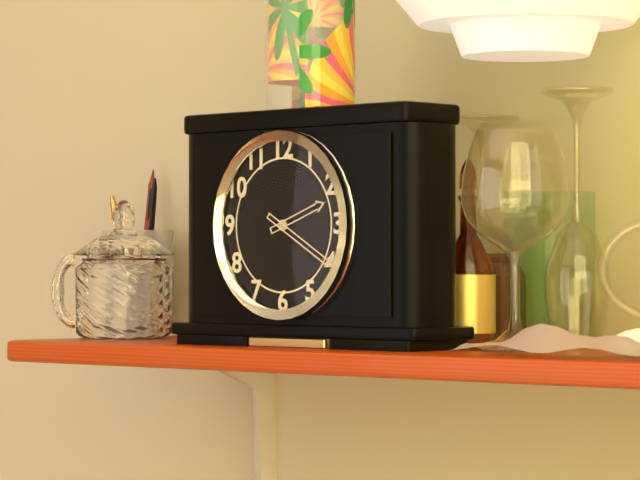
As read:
2,20
